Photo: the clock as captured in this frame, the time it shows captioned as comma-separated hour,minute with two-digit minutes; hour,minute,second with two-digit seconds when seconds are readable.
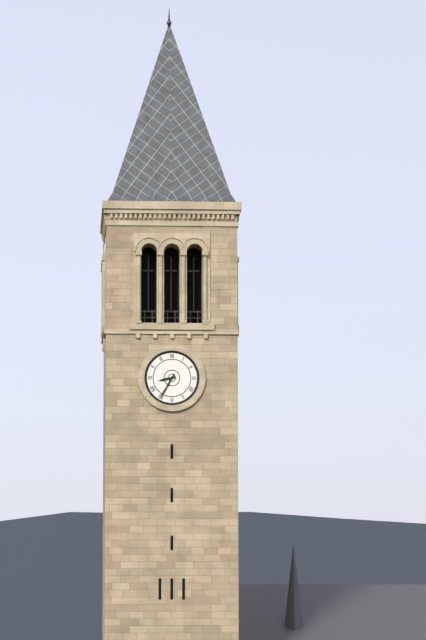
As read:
8,35
